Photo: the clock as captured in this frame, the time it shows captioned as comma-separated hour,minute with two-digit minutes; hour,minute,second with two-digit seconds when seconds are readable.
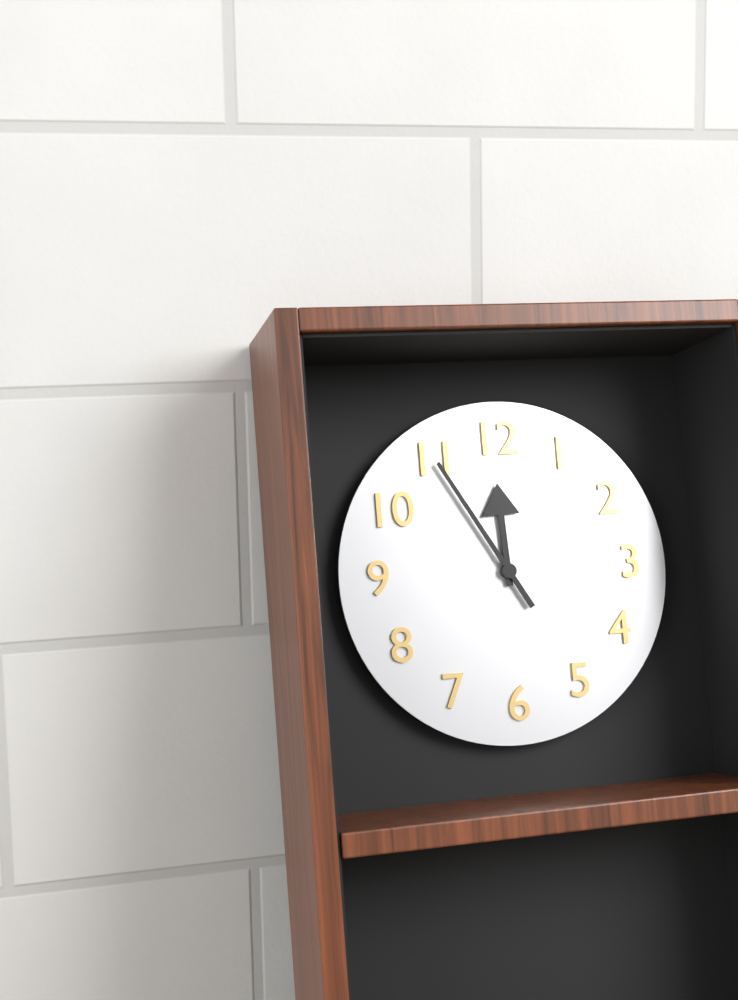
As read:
11,55
